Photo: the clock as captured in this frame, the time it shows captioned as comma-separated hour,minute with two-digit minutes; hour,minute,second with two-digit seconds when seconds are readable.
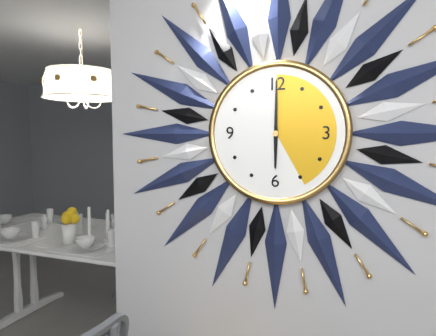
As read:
6,00
